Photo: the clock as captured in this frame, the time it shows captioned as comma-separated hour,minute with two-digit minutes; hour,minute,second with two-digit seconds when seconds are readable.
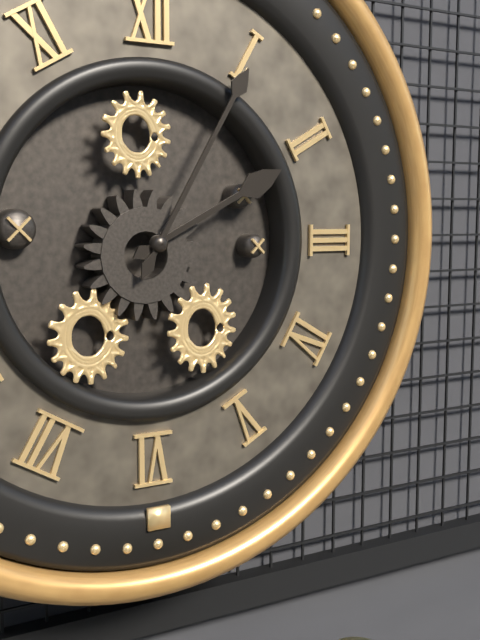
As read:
2,05
